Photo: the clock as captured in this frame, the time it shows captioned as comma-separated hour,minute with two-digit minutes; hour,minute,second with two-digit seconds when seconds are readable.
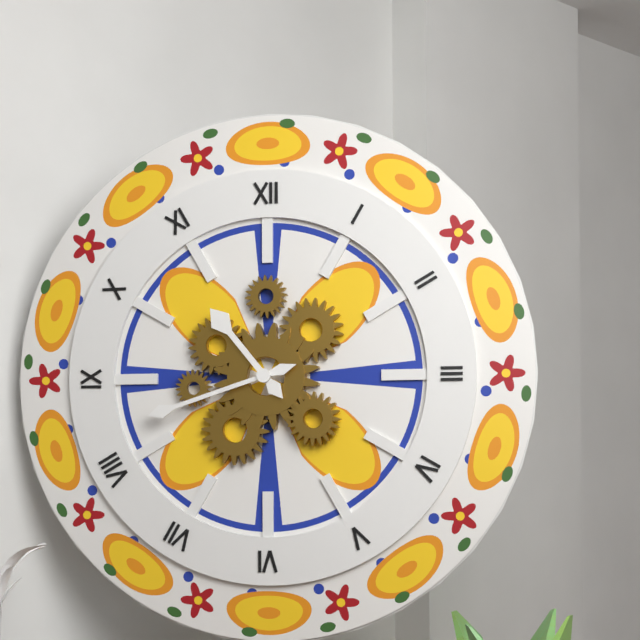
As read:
10,42
